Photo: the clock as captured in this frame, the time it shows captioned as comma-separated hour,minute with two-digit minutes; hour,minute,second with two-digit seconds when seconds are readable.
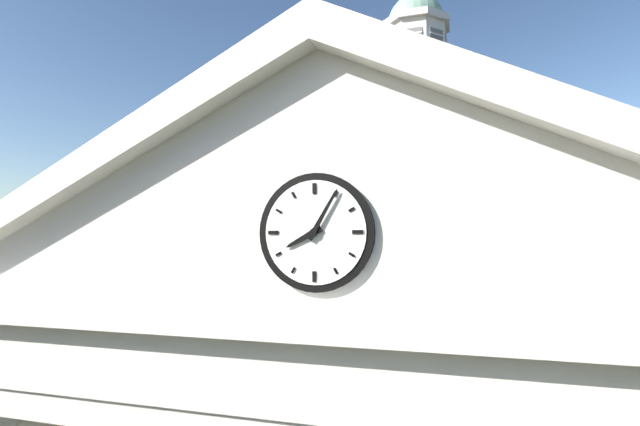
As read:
8,05
